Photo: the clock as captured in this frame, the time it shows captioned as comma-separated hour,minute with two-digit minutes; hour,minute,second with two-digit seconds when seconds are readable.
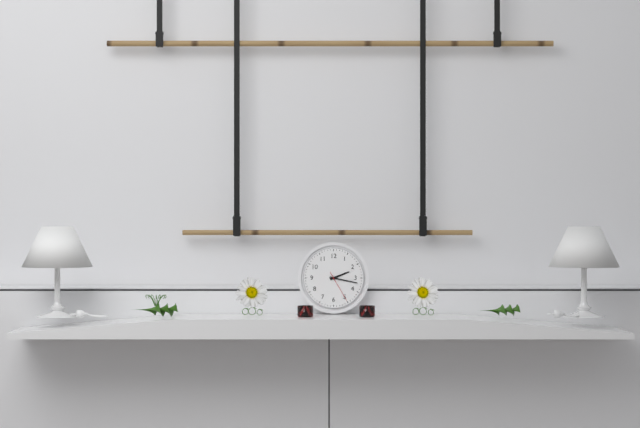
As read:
2,17
